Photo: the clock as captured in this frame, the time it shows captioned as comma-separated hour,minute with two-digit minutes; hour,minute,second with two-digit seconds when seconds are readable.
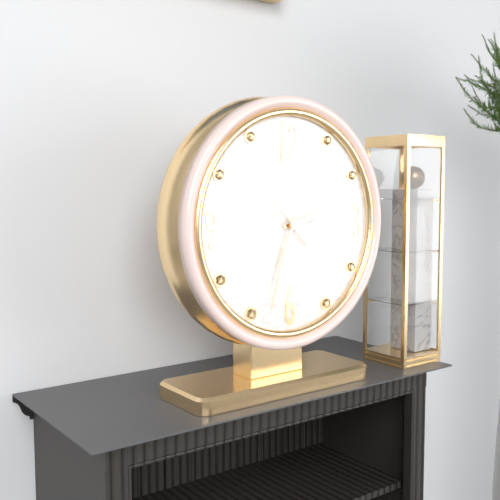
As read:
2,33,53
